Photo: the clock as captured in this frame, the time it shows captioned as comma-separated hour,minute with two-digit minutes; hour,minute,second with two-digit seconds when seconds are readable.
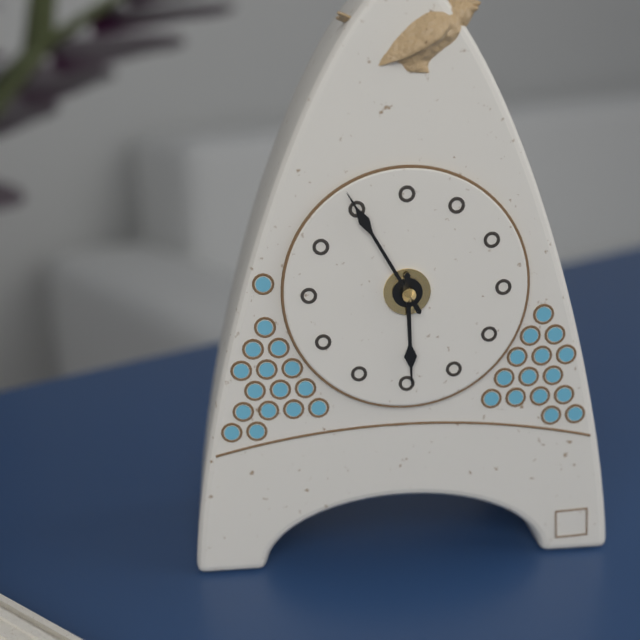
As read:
5,55
